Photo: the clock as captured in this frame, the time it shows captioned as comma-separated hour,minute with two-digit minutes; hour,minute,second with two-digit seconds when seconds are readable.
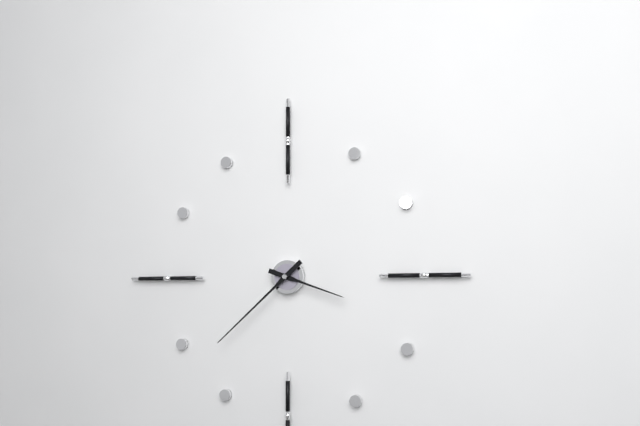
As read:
3,38
